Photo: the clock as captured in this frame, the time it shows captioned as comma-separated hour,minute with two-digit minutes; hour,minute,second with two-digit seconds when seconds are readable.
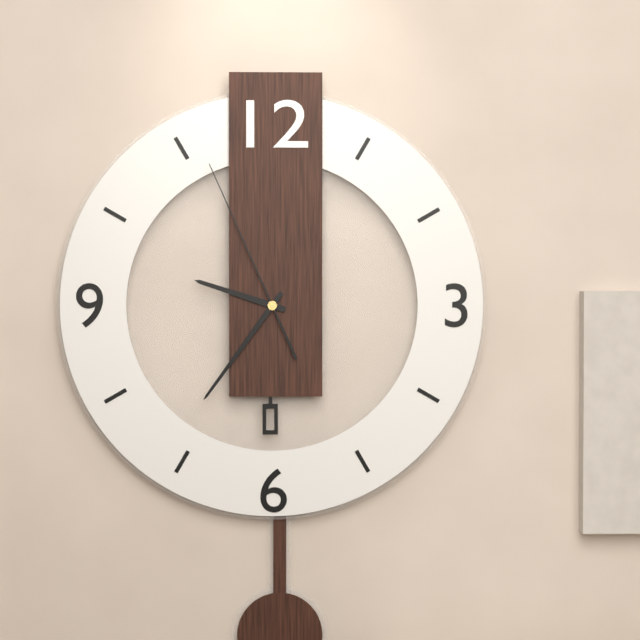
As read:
9,36,56
